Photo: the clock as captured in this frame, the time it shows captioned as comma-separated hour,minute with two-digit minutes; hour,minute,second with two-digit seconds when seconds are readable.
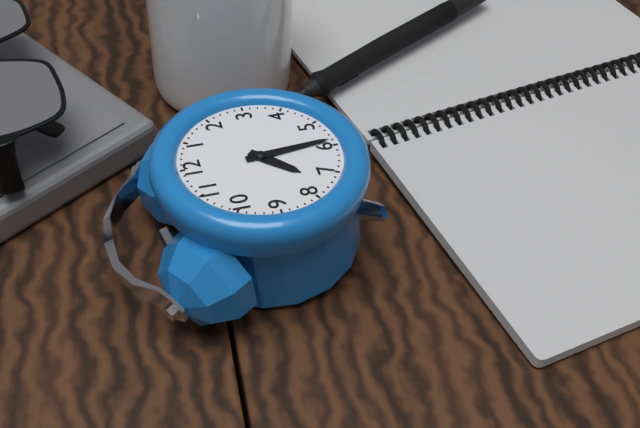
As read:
7,29
